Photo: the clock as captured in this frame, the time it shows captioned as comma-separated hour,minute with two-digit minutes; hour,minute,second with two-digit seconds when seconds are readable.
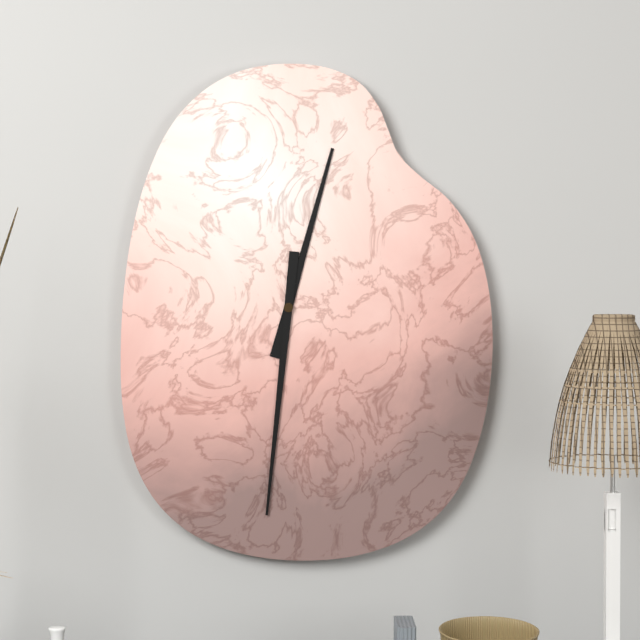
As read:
12,31
